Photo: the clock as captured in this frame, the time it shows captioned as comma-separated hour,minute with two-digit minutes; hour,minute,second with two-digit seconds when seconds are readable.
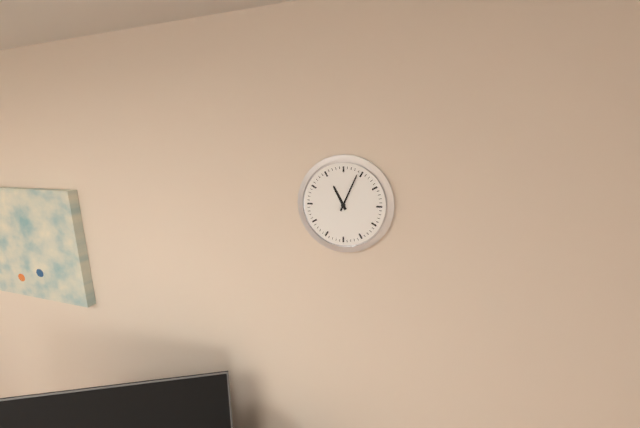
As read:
11,04
